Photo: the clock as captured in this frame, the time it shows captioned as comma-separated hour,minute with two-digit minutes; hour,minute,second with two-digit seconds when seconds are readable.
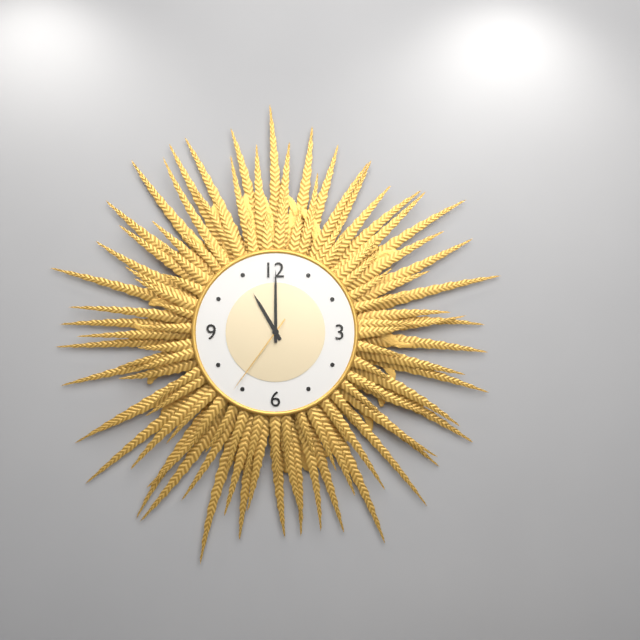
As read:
11,00,36
